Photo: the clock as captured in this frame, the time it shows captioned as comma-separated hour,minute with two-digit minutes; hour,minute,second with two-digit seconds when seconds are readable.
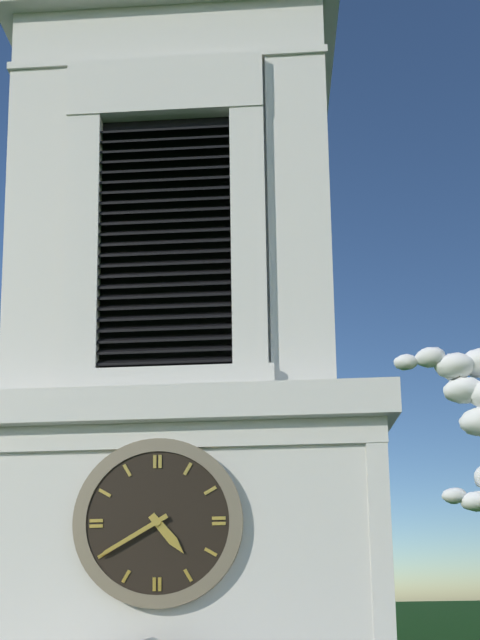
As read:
4,40
